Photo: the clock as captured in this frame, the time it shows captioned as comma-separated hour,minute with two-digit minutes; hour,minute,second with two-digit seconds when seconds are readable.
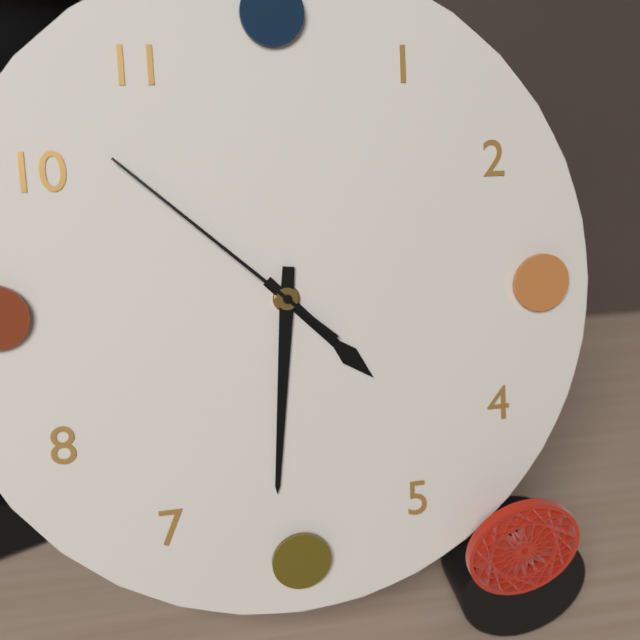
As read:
4,31,52
